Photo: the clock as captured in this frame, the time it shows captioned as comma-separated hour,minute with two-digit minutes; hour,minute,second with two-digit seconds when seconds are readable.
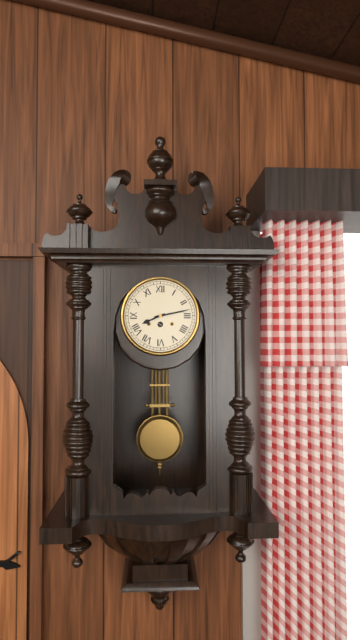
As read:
8,13
